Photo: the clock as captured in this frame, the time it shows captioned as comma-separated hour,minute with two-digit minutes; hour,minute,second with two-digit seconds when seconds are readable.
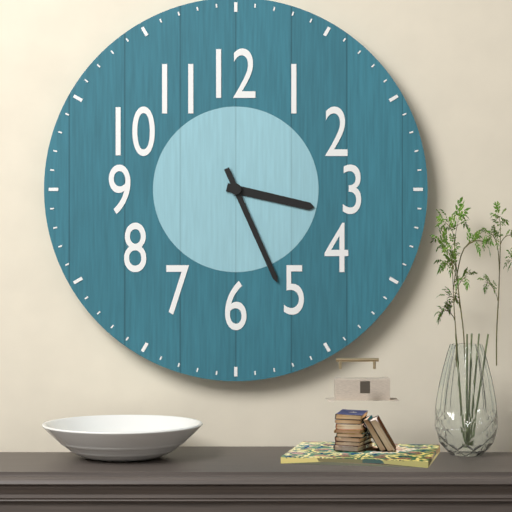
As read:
3,26
